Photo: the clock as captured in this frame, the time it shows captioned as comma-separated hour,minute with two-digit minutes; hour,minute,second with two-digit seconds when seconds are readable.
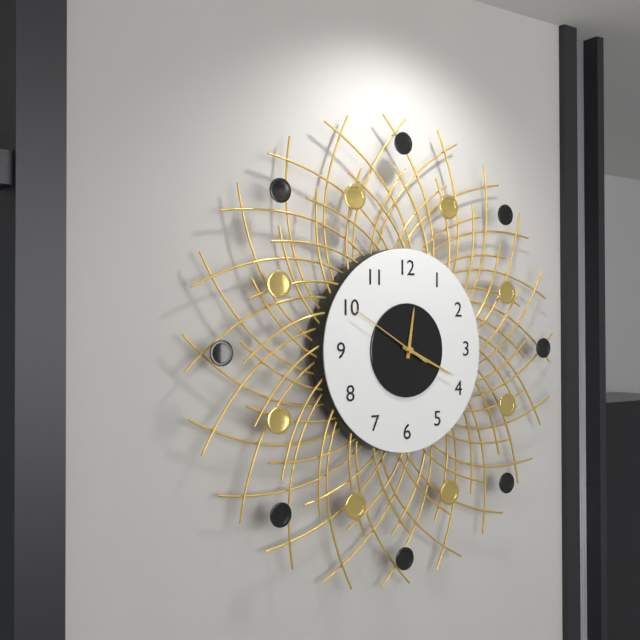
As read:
12,19,50
